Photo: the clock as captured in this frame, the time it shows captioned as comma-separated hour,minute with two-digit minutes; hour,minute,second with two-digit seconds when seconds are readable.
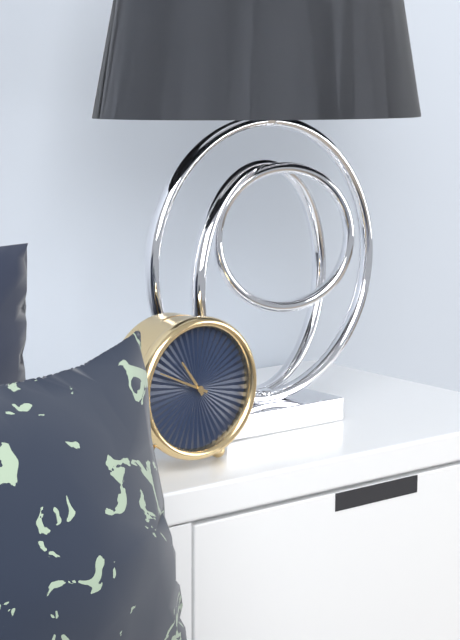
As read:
10,49
